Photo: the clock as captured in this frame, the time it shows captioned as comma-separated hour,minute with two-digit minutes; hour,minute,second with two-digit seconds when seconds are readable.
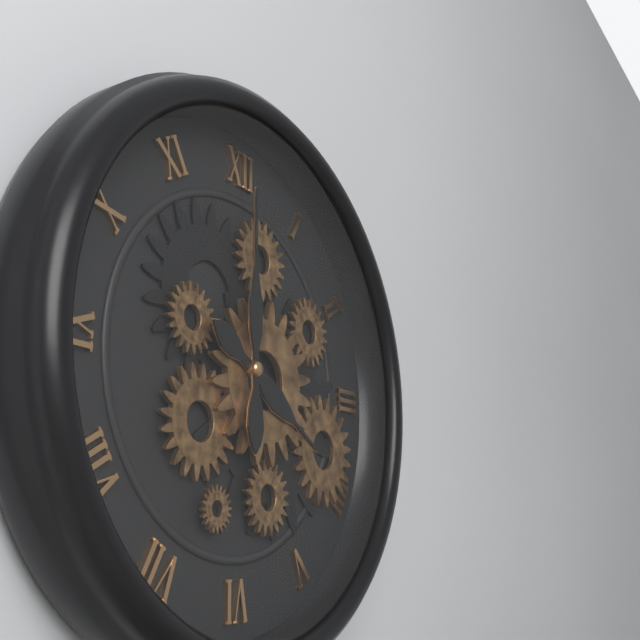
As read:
4,00
